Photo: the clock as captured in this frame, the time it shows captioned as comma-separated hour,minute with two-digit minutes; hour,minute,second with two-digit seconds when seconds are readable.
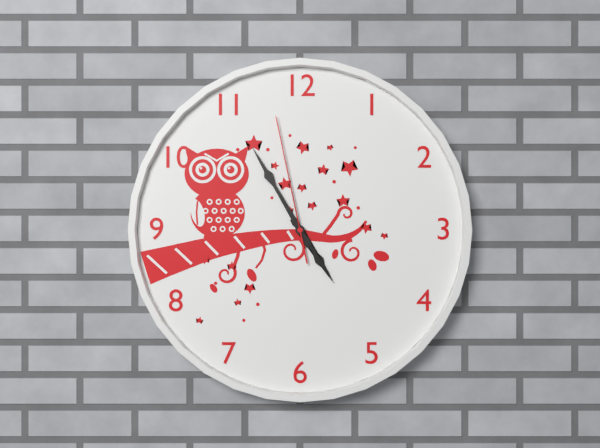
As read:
4,55,58
